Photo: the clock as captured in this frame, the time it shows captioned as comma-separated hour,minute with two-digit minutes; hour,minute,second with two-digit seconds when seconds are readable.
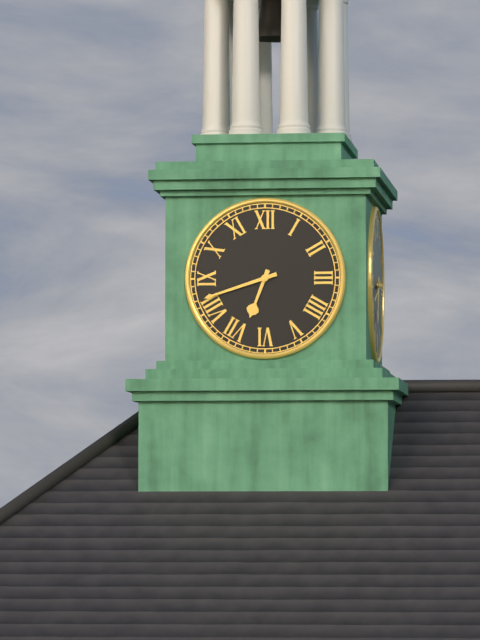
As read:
6,42
